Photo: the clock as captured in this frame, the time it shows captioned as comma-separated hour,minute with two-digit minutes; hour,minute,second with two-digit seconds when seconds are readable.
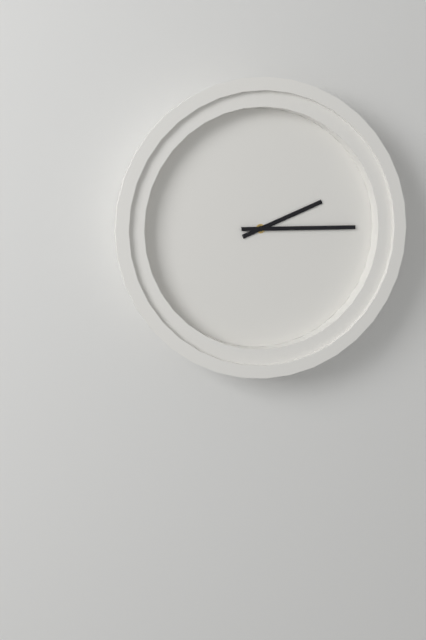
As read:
2,15
